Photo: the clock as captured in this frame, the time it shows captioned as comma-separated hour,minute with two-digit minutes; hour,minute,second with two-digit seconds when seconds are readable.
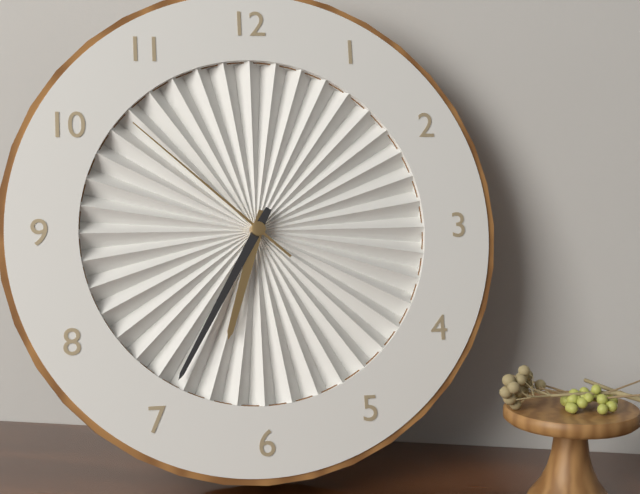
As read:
6,35,52
